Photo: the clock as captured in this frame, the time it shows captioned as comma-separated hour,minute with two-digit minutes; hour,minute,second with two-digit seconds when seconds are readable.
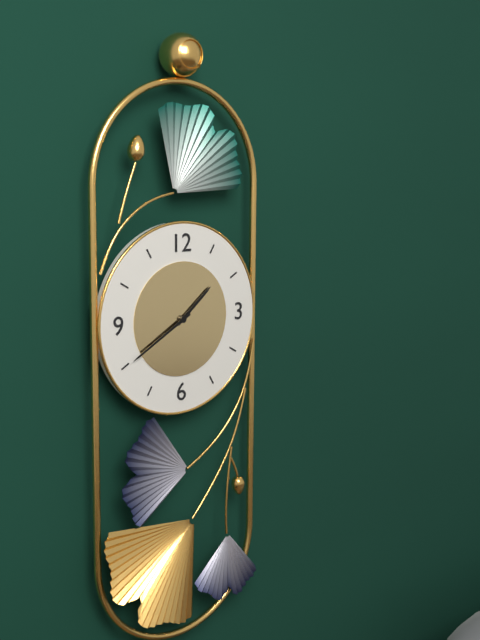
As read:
1,40
